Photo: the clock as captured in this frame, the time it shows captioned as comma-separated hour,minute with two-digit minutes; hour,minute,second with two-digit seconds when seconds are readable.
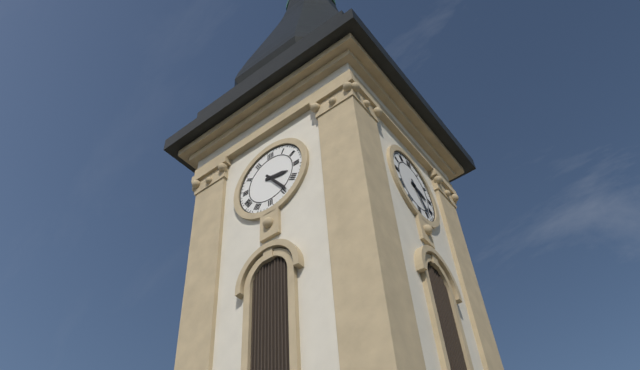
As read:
3,24
